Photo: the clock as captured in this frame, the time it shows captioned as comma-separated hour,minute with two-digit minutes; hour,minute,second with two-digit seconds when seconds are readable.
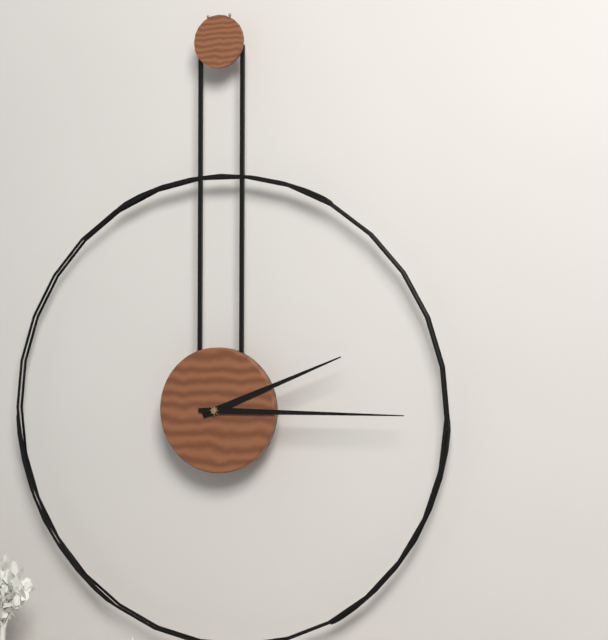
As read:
2,15
